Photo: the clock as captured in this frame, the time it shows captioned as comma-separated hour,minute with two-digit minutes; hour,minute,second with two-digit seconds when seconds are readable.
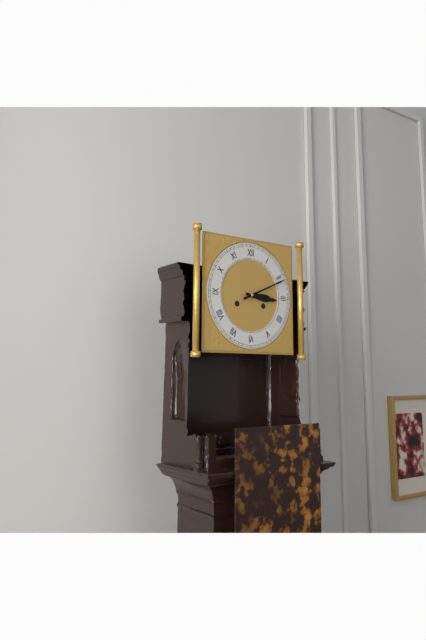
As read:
3,11
